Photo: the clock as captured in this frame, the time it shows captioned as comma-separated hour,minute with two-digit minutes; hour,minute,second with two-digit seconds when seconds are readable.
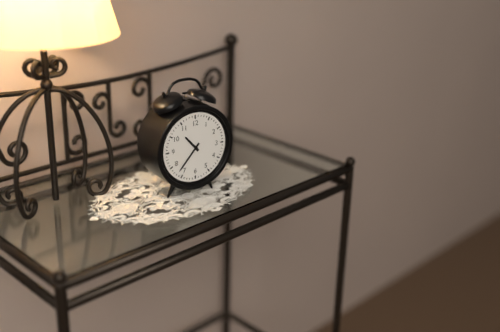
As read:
10,37
